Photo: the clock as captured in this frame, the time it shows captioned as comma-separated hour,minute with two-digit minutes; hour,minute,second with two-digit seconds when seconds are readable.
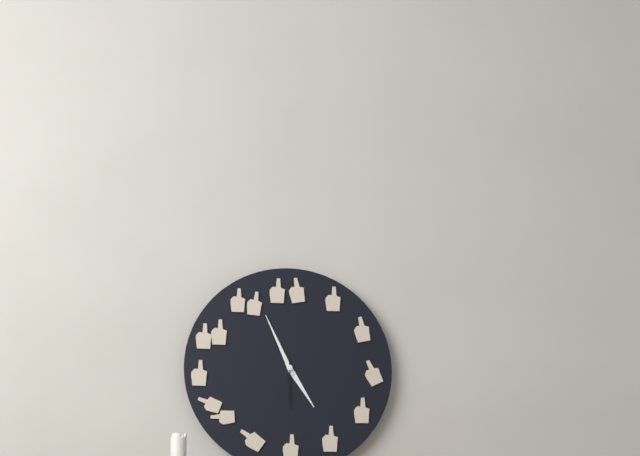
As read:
4,56
